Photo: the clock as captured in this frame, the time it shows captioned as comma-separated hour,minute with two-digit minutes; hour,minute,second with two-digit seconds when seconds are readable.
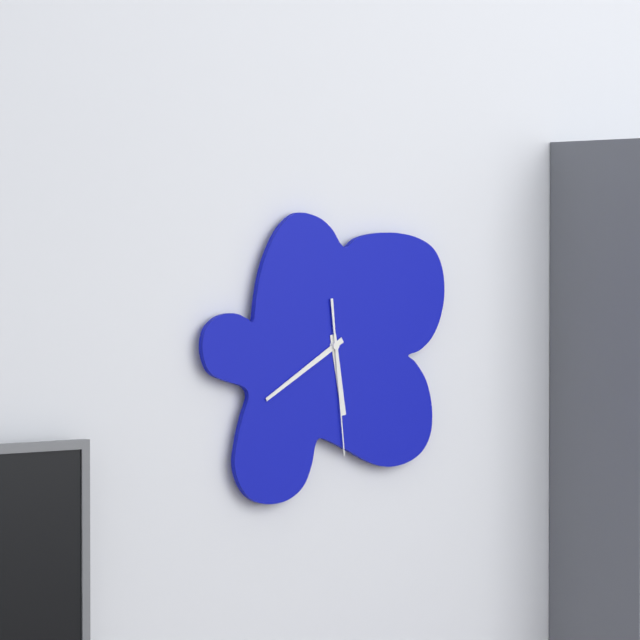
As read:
5,40,29
